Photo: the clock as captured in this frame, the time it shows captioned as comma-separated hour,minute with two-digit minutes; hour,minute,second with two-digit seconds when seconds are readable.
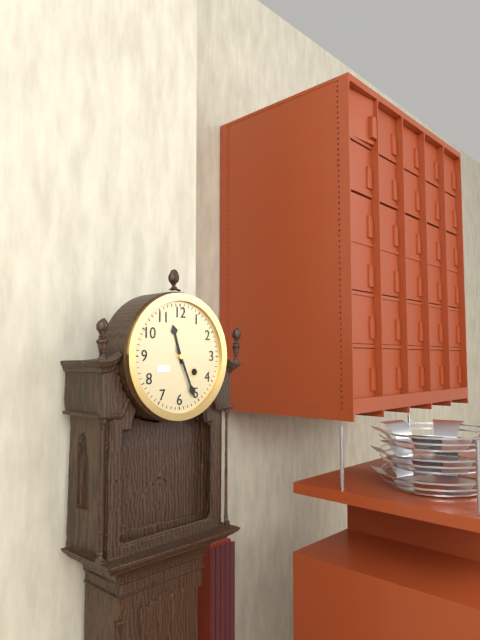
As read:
11,26
